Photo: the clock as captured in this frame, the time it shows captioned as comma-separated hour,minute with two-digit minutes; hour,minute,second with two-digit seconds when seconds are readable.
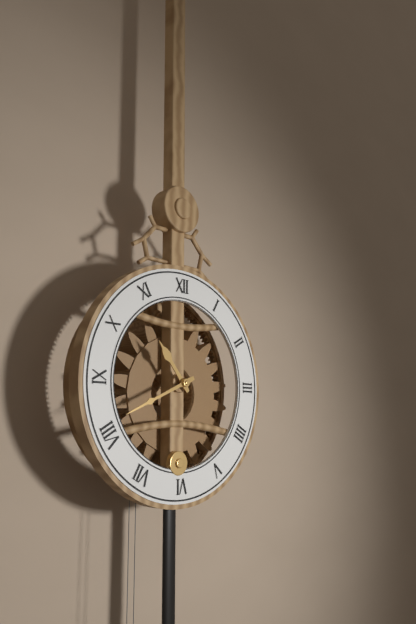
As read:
10,41
